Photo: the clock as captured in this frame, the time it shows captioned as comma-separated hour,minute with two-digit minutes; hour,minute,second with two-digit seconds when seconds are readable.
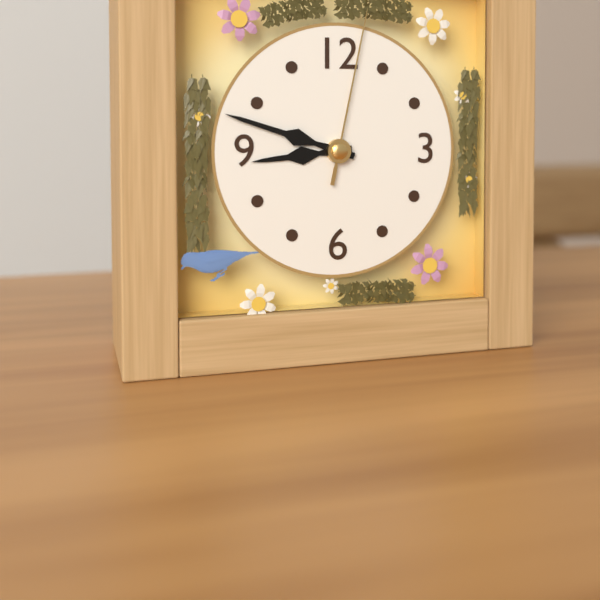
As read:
8,48,02
